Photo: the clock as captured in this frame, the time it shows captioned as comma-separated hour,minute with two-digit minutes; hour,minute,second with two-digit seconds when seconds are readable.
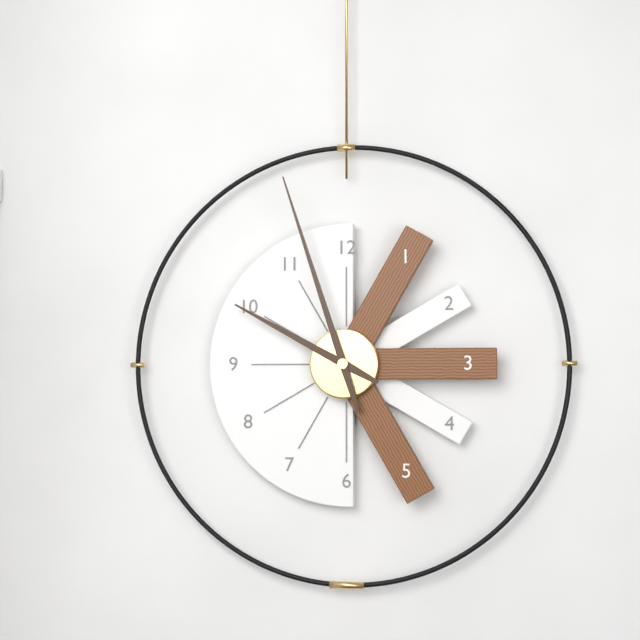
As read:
9,57
